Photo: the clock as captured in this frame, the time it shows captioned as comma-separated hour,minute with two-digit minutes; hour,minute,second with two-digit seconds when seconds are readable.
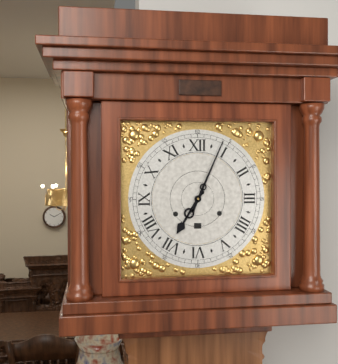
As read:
7,04
